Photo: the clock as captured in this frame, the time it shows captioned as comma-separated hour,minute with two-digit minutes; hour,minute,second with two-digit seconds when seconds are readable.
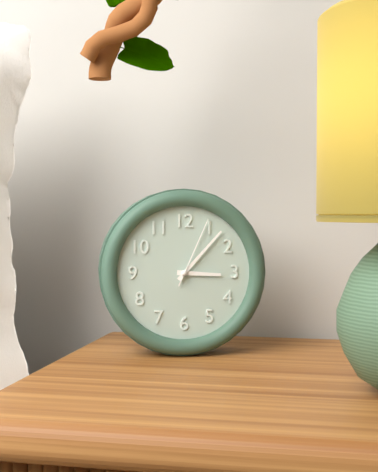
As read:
3,07,04
